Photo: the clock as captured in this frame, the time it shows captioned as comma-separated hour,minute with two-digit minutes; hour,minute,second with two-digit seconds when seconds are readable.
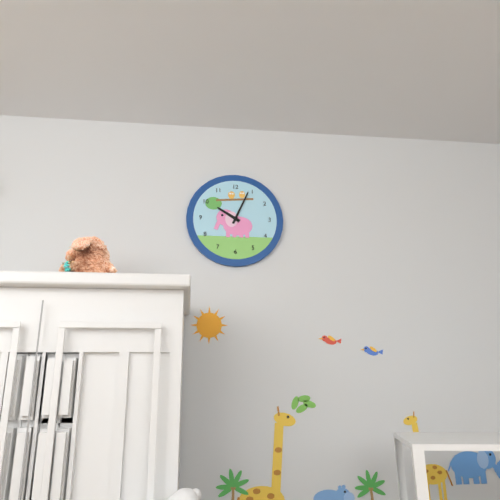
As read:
10,04
